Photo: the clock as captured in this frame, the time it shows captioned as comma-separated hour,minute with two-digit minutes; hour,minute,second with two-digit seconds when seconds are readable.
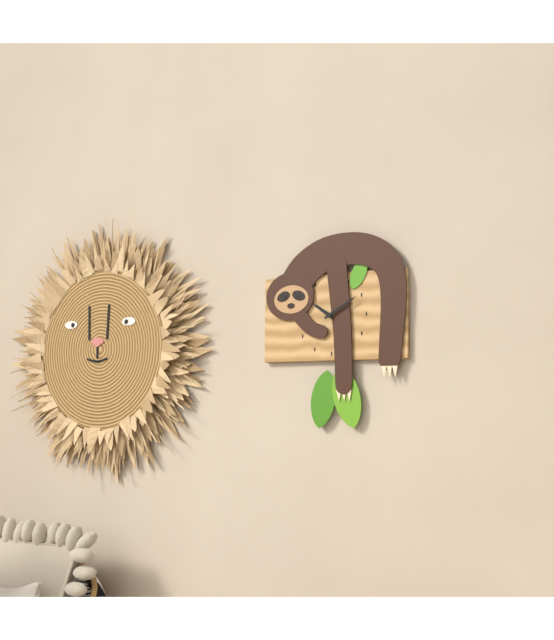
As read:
10,10
